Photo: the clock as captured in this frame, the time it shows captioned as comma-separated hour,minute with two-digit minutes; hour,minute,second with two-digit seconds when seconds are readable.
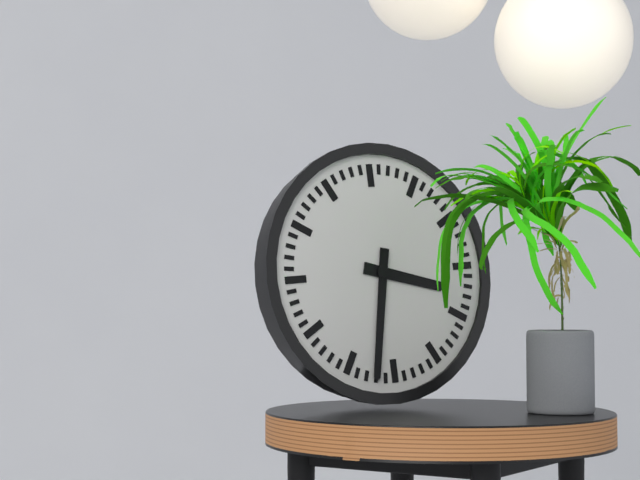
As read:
3,32
